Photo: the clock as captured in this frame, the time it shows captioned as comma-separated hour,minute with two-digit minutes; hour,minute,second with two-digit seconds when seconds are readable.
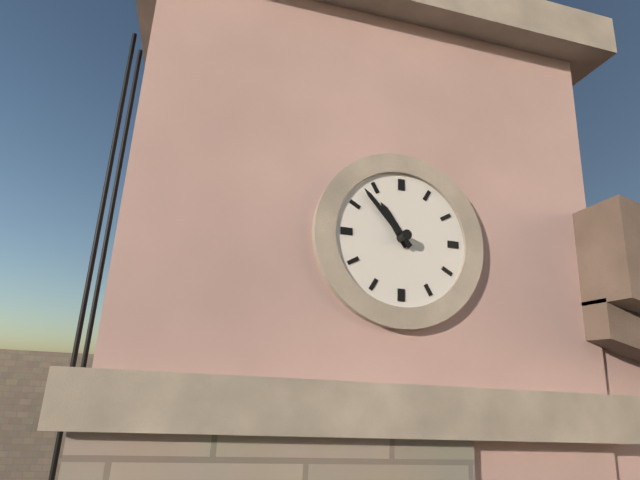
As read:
10,53
